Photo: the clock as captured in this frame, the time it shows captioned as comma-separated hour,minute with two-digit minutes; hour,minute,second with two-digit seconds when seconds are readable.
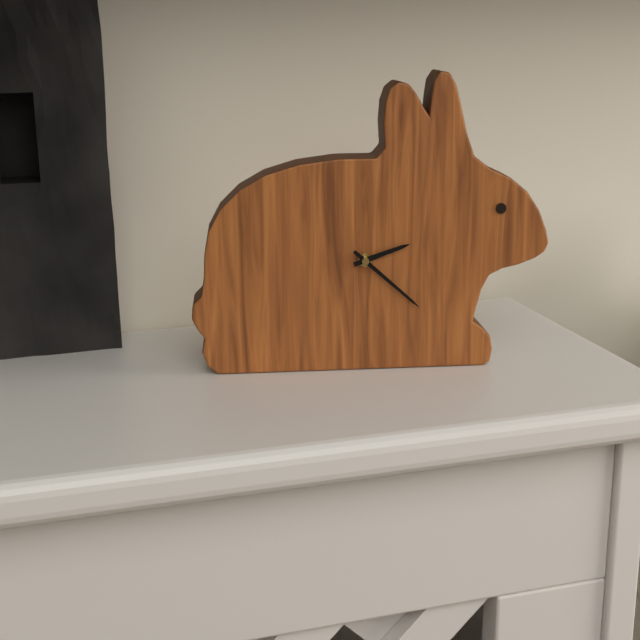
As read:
2,22
